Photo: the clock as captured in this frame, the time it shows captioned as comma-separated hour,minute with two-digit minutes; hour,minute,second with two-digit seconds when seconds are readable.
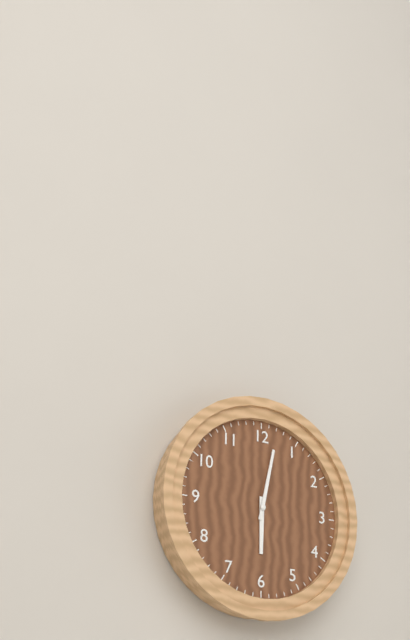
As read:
6,02
